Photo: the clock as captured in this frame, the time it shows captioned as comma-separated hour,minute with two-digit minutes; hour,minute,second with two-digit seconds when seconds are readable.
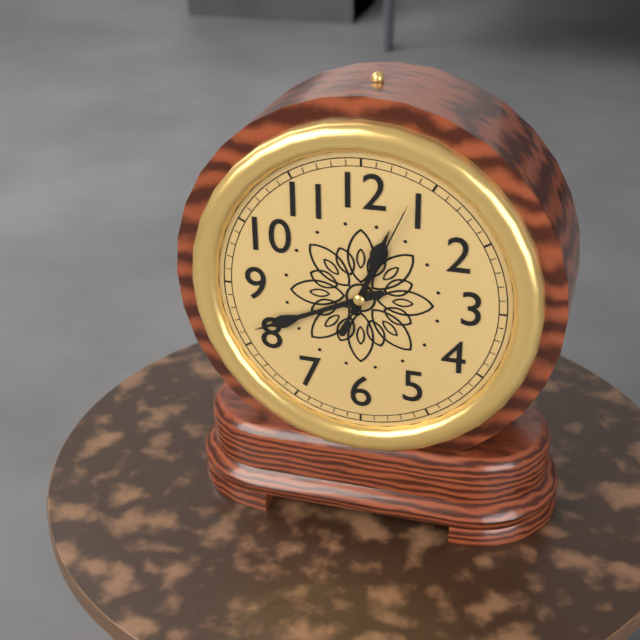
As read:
12,41,04
